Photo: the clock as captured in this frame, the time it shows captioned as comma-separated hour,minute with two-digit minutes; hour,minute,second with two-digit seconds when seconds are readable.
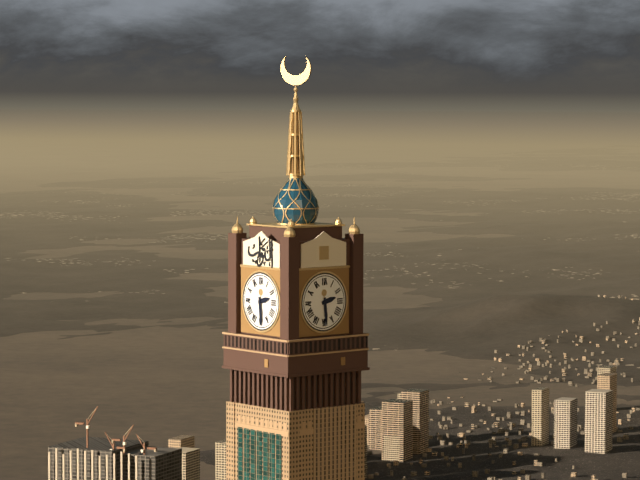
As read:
2,29
